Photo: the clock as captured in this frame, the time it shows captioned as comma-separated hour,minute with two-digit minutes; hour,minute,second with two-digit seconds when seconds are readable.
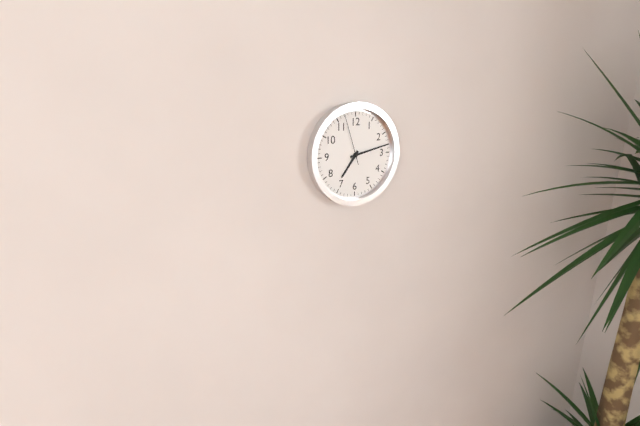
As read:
7,13,57
